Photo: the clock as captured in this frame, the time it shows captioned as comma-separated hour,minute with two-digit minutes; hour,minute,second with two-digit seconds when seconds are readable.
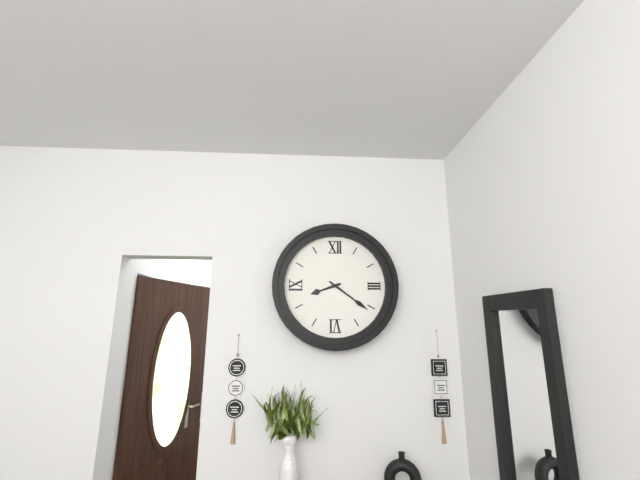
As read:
8,21
